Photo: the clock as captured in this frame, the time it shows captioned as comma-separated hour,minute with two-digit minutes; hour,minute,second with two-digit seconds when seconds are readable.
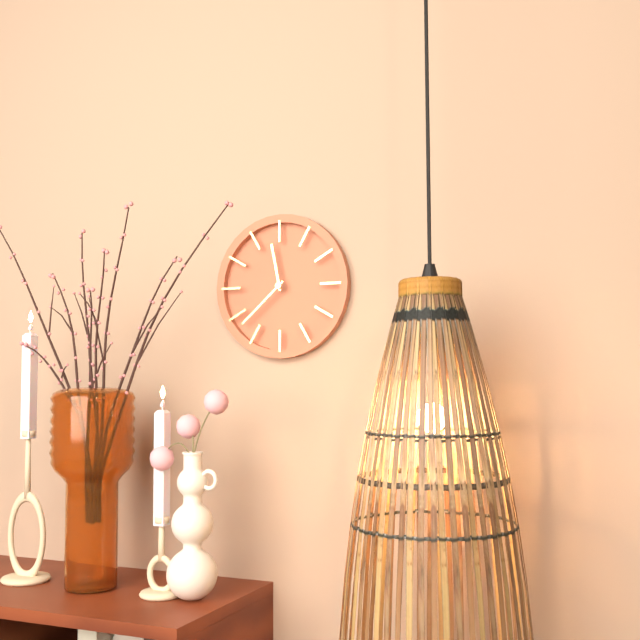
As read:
11,38
